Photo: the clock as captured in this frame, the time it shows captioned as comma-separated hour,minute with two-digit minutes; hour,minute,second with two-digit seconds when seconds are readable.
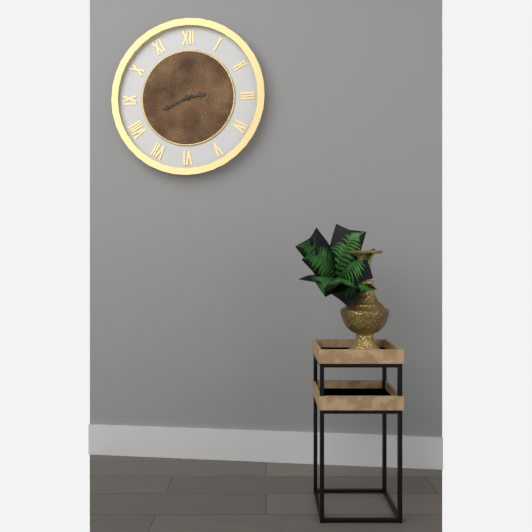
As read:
2,41
